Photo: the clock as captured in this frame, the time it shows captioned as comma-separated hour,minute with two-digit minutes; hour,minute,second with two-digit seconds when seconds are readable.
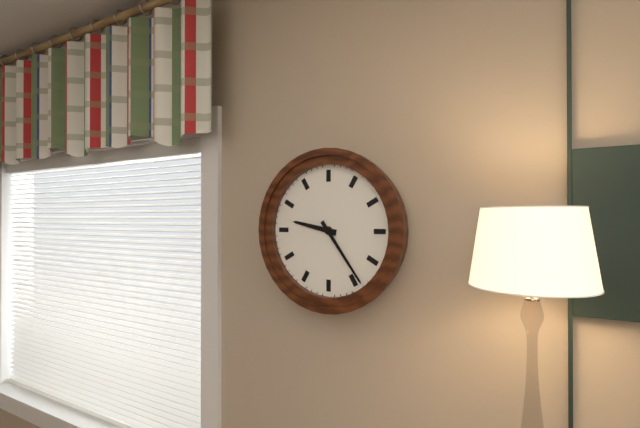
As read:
9,24
